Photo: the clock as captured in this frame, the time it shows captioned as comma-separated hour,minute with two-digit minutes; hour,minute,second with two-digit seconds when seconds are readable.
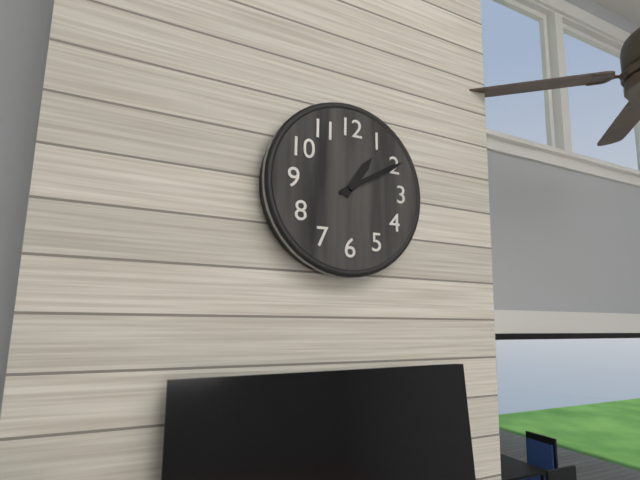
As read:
1,10
